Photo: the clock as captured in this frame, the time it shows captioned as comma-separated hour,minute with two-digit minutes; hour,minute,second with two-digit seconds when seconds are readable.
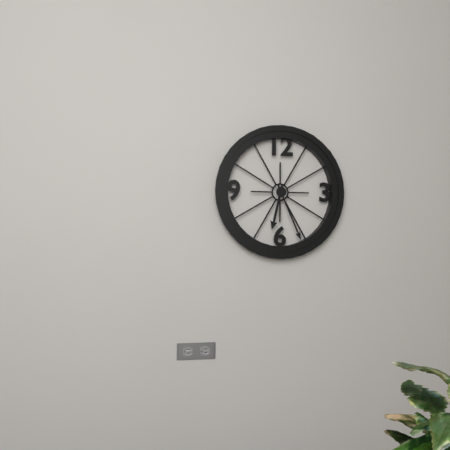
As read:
6,26
